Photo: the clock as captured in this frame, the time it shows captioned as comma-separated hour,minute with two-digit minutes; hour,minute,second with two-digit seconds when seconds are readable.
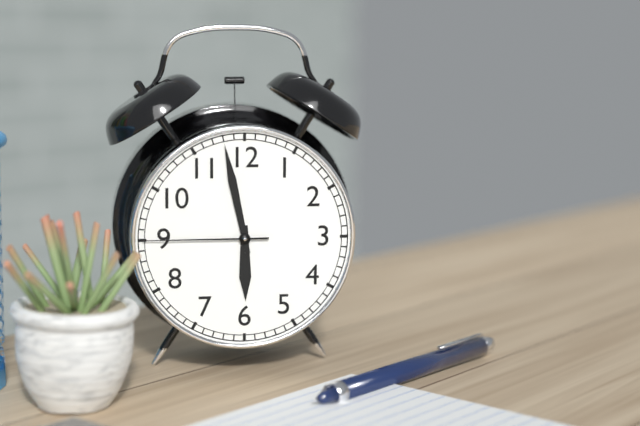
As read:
5,58,45
